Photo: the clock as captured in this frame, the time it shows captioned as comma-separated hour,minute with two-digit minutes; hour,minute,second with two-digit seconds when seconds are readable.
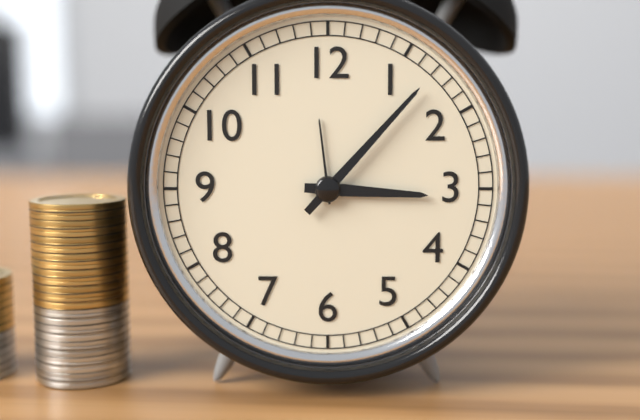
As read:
3,07
